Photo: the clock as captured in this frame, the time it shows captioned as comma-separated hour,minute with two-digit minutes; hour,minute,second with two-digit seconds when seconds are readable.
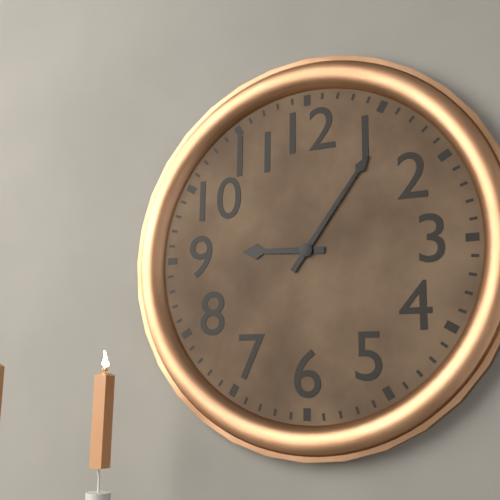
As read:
9,06
